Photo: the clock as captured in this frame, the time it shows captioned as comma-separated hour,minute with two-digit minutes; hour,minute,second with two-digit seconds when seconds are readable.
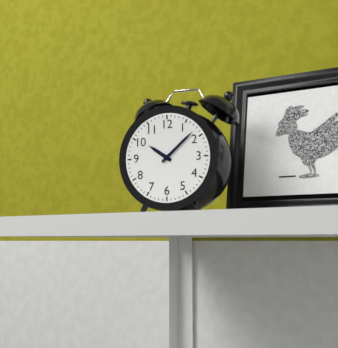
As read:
10,08
